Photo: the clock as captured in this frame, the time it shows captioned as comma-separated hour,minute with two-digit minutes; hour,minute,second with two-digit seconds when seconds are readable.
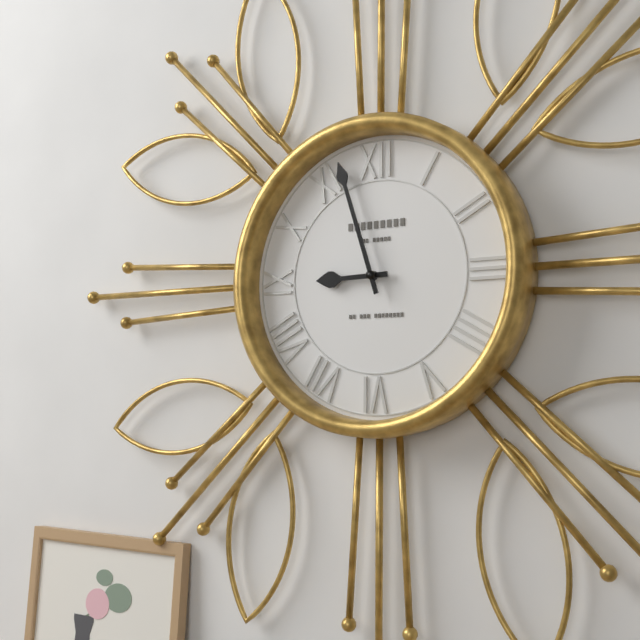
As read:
8,57
